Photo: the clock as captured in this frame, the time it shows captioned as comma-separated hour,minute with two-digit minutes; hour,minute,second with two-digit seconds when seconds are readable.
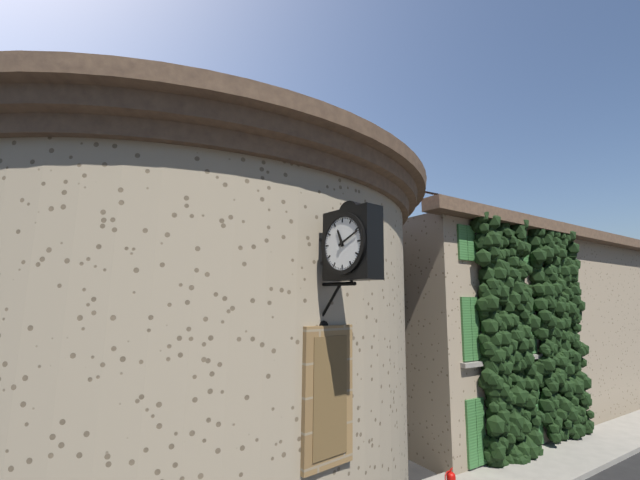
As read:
11,11
